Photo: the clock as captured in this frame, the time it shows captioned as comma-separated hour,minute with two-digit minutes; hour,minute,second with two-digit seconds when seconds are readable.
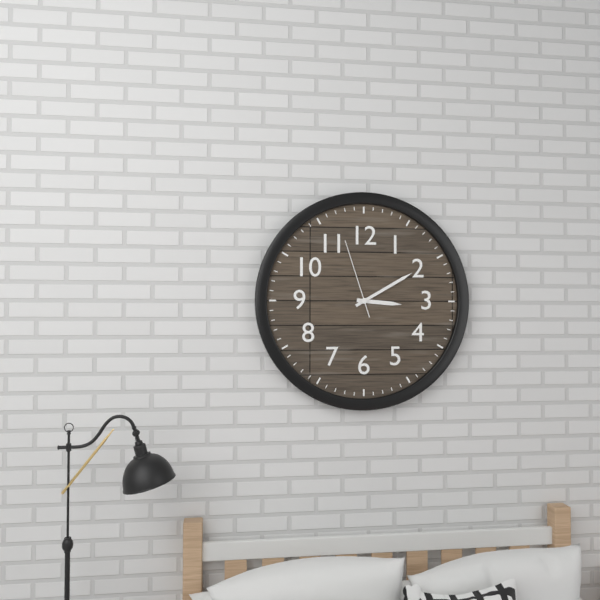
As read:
3,10,57
